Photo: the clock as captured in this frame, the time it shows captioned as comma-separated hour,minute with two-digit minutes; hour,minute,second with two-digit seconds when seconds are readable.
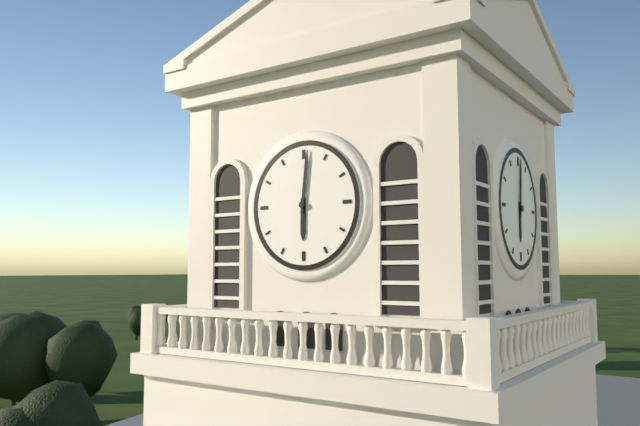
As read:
6,01
